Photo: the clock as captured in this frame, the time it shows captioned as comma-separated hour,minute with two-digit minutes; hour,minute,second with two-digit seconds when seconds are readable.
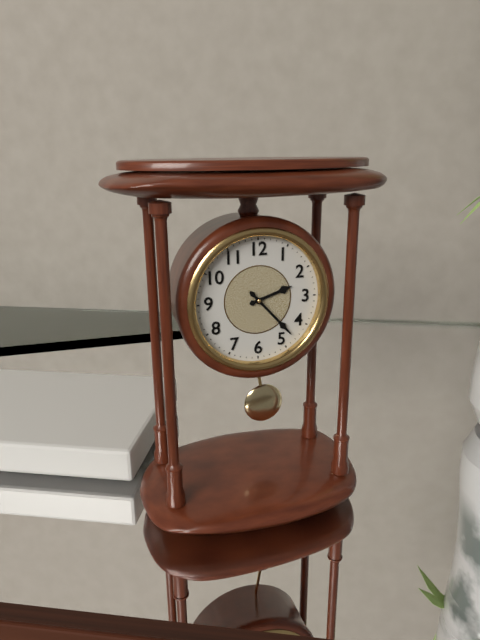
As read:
2,23
